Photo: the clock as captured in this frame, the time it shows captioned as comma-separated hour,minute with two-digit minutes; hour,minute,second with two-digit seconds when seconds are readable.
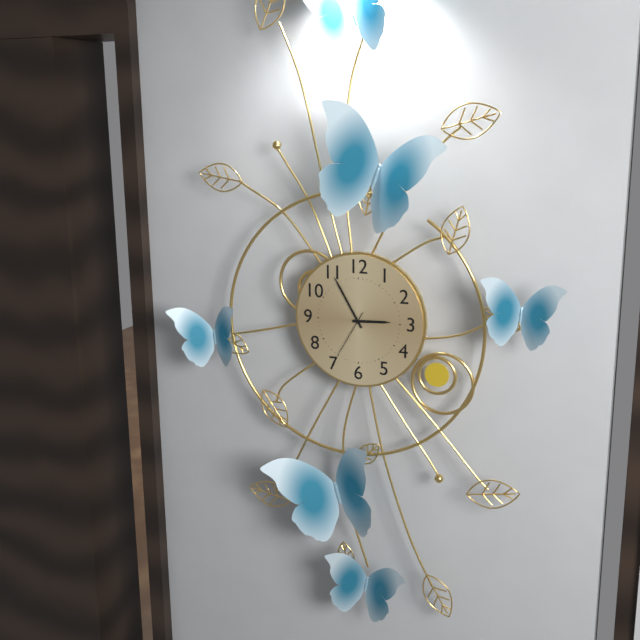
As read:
2,55,35
